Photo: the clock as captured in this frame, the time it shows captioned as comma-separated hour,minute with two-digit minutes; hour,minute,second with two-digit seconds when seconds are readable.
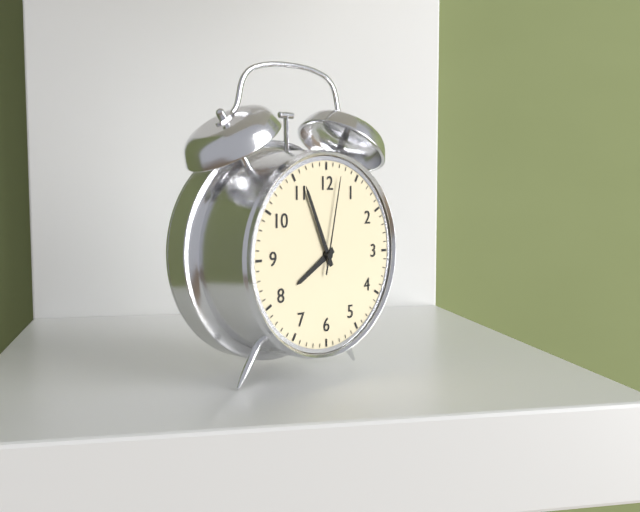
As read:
7,56,02
